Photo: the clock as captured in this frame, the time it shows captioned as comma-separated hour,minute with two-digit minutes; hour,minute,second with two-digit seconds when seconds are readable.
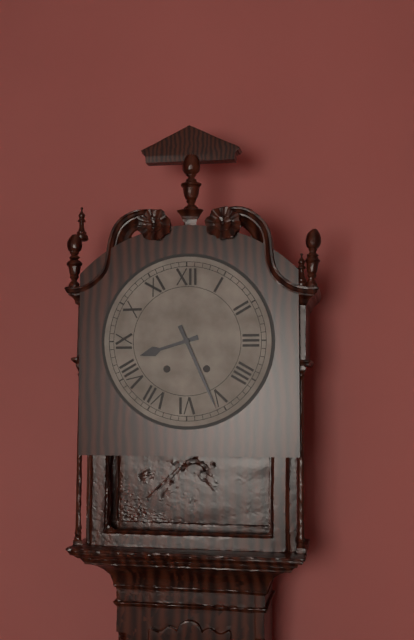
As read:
8,26
